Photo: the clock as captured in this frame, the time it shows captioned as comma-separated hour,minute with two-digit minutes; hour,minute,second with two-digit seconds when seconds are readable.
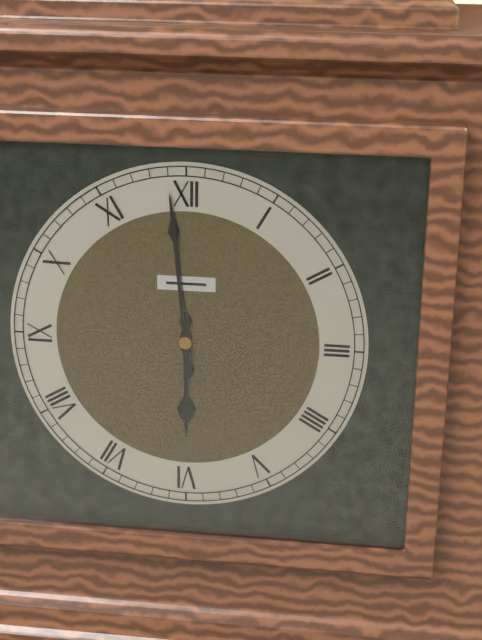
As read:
5,59
